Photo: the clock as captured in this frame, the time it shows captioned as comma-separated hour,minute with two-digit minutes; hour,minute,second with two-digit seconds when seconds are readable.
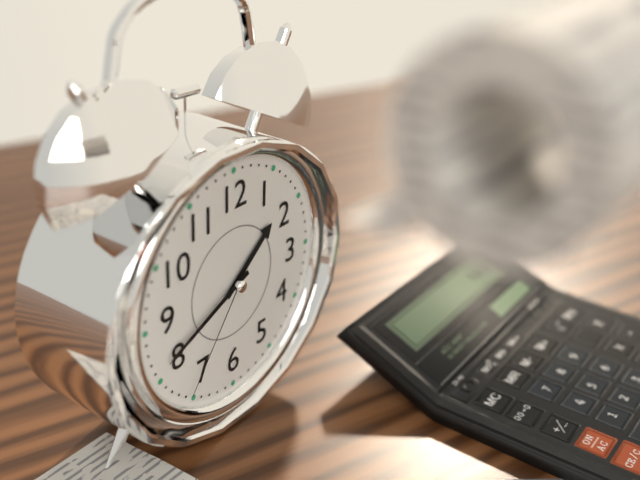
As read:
1,41,36
